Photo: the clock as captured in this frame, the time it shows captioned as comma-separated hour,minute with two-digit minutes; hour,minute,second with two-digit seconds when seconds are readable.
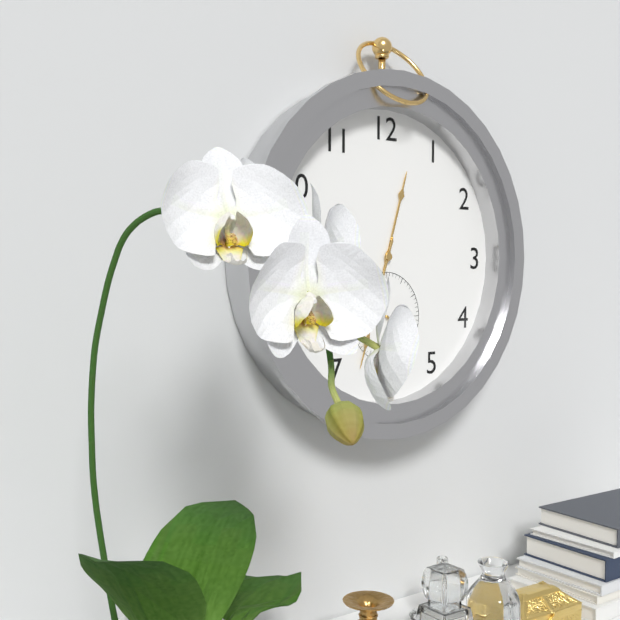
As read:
12,33
